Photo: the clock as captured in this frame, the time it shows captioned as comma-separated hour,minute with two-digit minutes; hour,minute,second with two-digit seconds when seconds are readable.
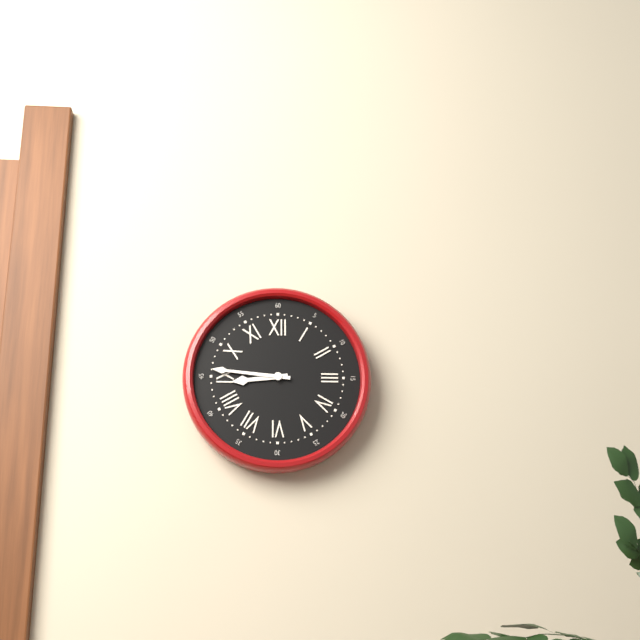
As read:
8,46
